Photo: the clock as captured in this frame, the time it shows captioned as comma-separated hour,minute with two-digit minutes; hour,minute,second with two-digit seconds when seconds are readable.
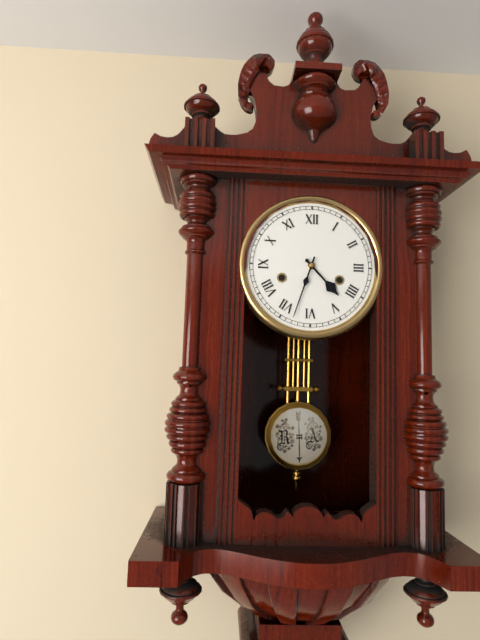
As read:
4,33
